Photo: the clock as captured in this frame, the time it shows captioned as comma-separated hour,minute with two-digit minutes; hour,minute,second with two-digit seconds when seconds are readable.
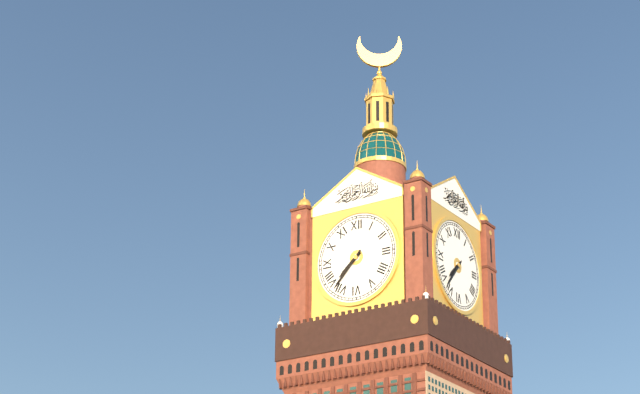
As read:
7,37
